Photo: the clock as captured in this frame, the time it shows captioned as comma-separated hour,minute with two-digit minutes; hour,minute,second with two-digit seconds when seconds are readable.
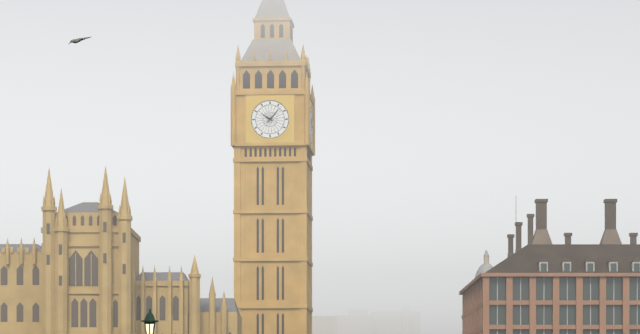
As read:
10,07
